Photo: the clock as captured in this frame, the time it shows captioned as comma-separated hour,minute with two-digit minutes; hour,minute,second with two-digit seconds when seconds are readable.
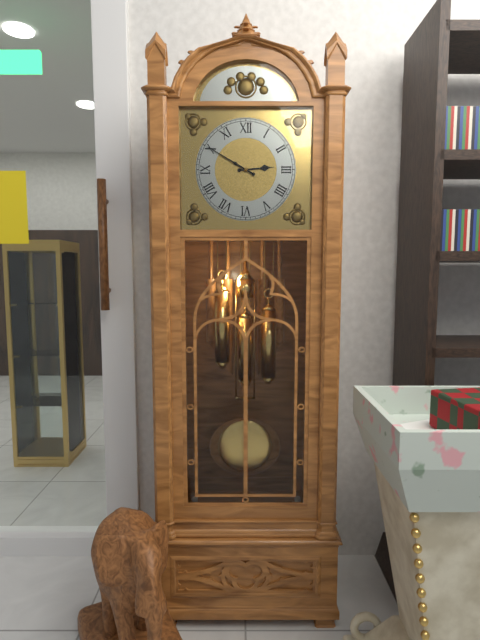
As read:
2,50
